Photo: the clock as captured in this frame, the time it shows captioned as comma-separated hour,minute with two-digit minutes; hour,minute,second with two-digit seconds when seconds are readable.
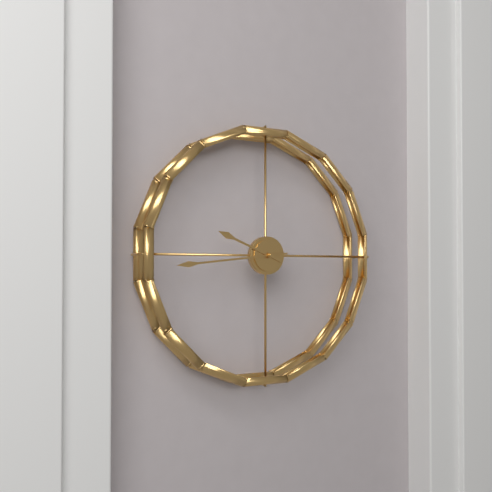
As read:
9,44
